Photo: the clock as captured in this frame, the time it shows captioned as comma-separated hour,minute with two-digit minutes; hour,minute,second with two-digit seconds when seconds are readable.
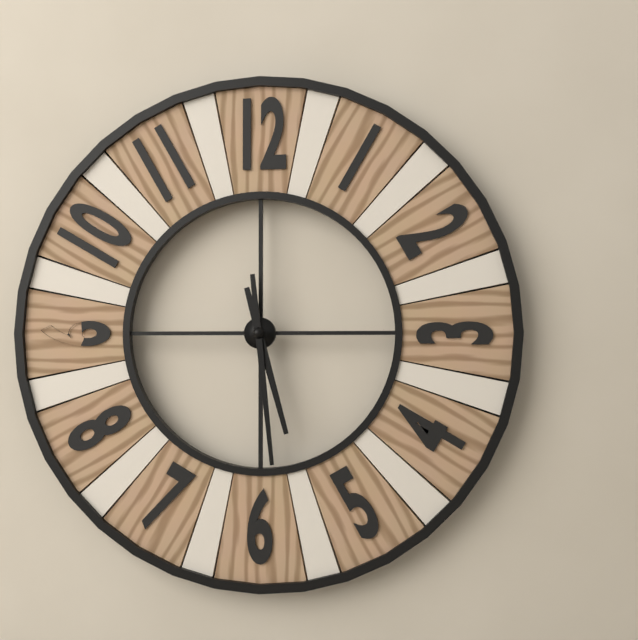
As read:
5,29
